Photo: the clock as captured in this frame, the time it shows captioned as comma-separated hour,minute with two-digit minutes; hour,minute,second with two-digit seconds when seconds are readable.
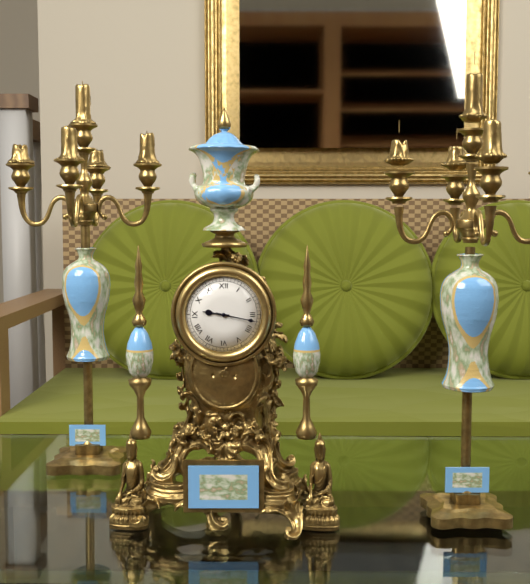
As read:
9,17
